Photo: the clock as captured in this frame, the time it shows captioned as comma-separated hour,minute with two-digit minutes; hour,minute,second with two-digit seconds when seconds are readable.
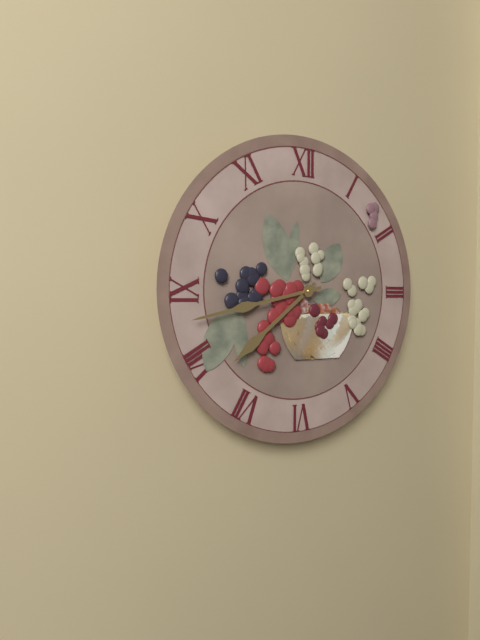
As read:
7,43
